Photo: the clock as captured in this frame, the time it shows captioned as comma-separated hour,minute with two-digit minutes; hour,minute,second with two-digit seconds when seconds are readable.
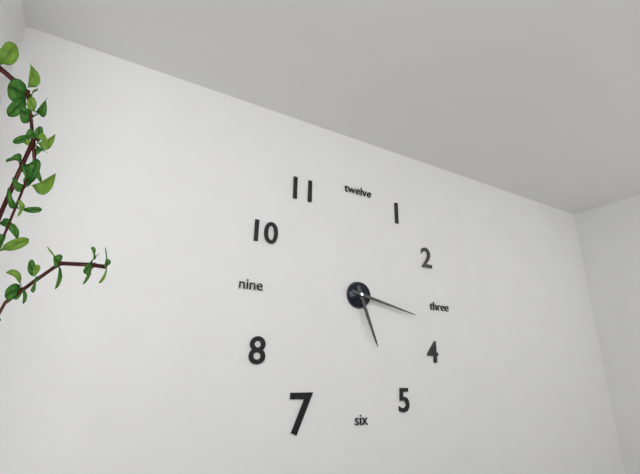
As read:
5,17
